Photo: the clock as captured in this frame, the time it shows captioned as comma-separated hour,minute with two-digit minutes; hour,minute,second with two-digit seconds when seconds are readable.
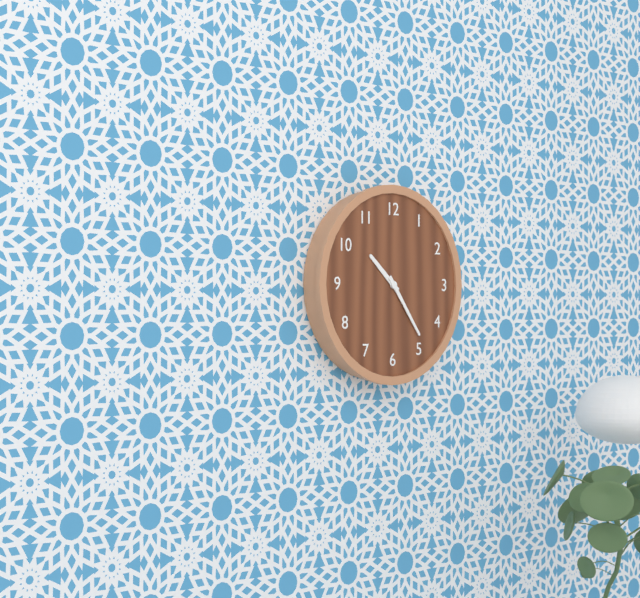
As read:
10,24
